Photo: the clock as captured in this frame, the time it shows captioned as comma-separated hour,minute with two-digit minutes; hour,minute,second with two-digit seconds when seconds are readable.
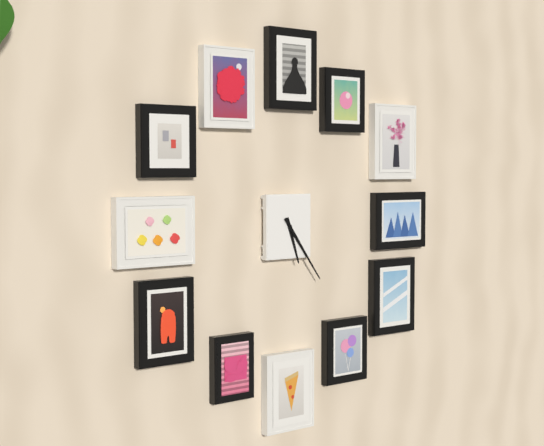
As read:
5,24
